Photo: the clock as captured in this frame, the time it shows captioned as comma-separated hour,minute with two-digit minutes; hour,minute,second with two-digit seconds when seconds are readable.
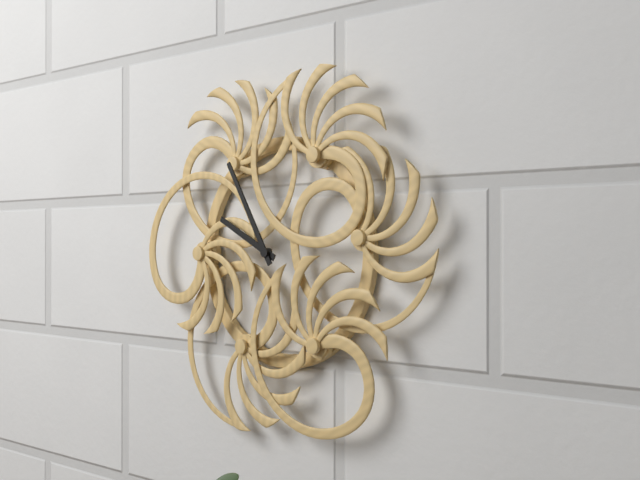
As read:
9,55
